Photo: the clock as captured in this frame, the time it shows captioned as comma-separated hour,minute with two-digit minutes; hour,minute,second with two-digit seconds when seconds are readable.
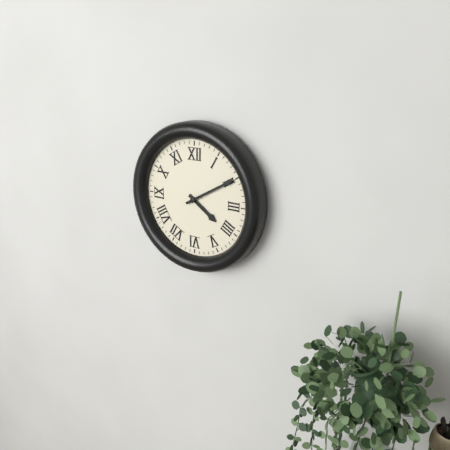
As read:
4,10
